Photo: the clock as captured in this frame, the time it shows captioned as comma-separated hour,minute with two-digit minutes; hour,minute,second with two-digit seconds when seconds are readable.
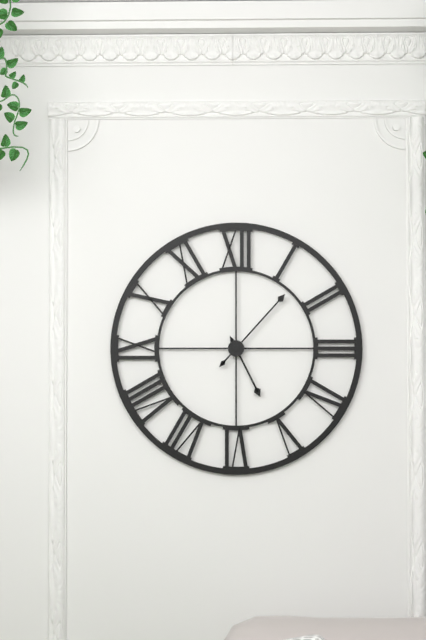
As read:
5,07
